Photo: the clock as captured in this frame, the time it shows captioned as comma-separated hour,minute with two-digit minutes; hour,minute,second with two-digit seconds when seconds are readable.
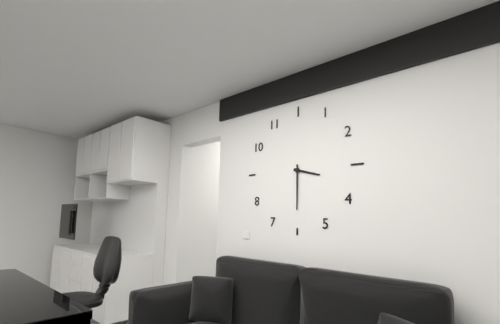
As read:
3,30
